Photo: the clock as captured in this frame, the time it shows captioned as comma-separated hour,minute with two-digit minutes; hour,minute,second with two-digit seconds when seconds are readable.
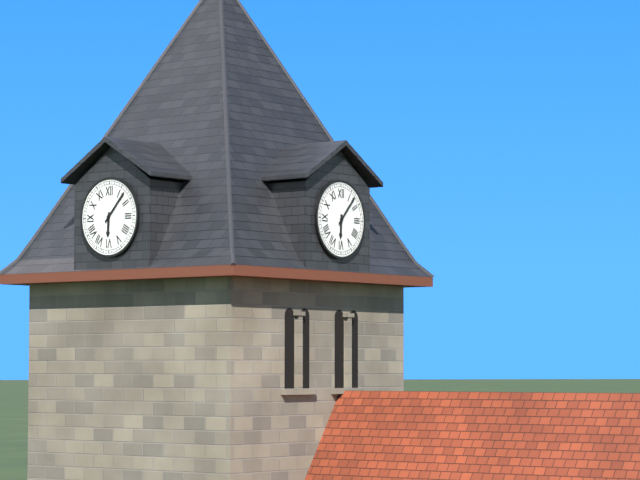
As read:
6,07
